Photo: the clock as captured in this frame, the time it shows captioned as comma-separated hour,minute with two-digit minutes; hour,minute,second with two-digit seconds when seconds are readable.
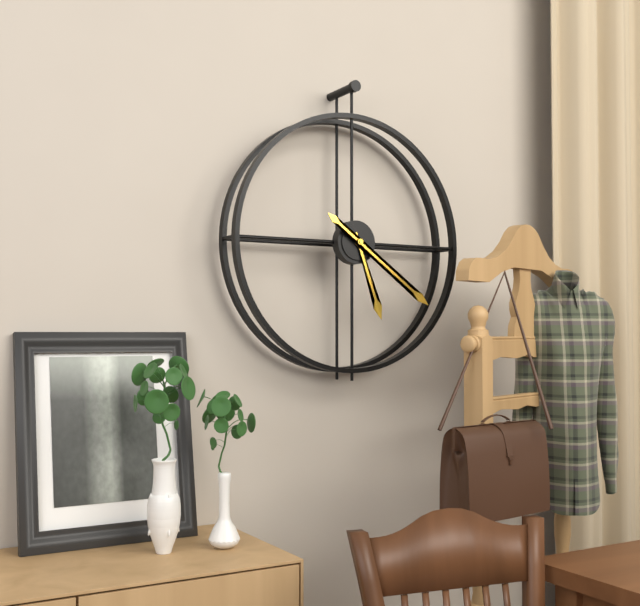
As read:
5,21
